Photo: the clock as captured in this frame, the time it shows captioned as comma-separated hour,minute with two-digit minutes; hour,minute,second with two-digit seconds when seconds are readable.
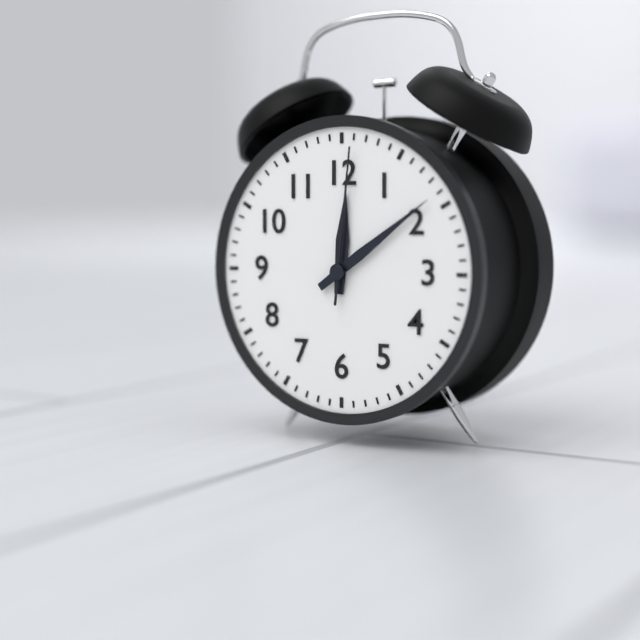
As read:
12,09,01
